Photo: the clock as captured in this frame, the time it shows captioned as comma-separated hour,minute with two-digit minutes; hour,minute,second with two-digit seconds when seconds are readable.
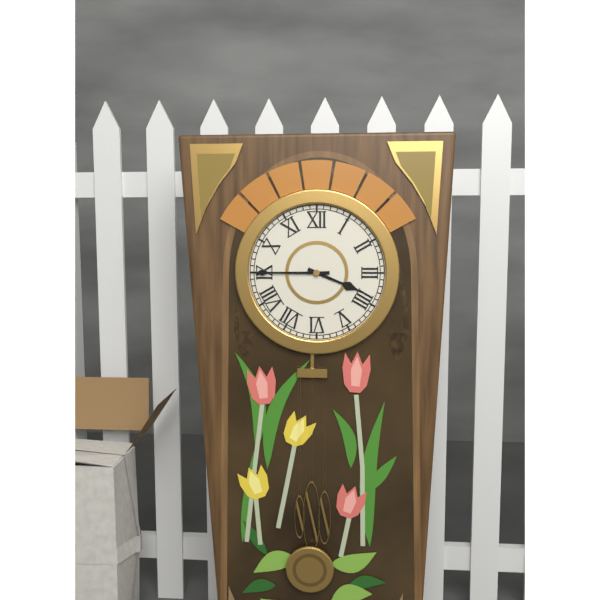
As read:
3,45
